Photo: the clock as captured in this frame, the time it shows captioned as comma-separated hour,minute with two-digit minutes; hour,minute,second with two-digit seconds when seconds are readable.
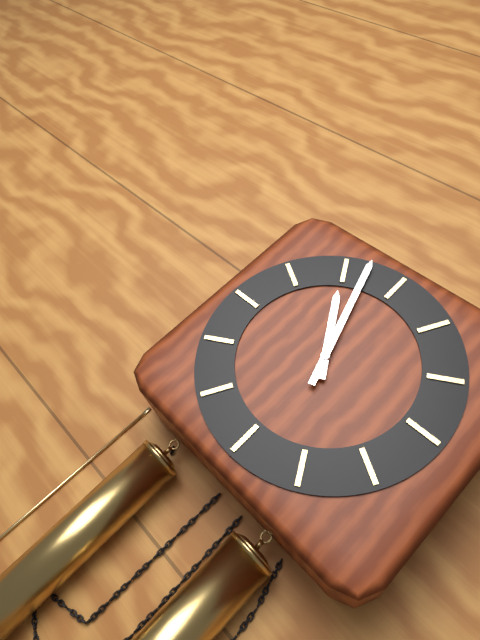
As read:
10,57
